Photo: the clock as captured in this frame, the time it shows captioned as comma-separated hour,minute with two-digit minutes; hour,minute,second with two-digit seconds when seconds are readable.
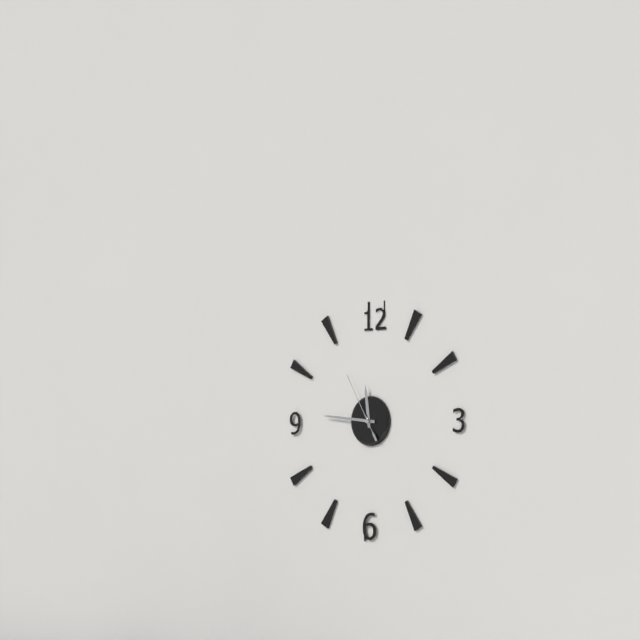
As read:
11,46,55
